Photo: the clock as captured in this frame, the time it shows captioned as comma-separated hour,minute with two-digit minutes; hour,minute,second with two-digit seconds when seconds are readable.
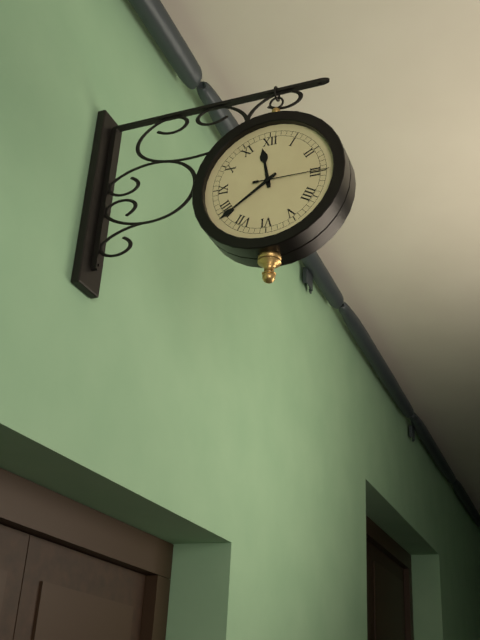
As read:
11,39,15
